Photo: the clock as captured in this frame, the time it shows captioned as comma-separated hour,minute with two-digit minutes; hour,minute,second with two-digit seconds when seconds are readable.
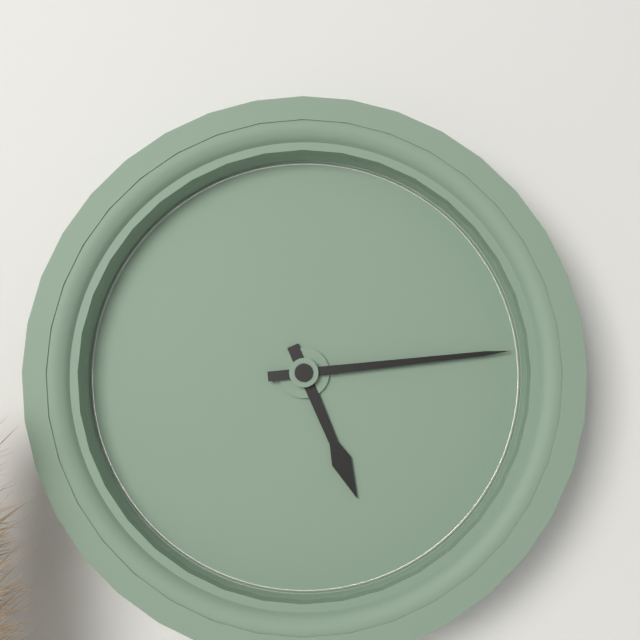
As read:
5,14
